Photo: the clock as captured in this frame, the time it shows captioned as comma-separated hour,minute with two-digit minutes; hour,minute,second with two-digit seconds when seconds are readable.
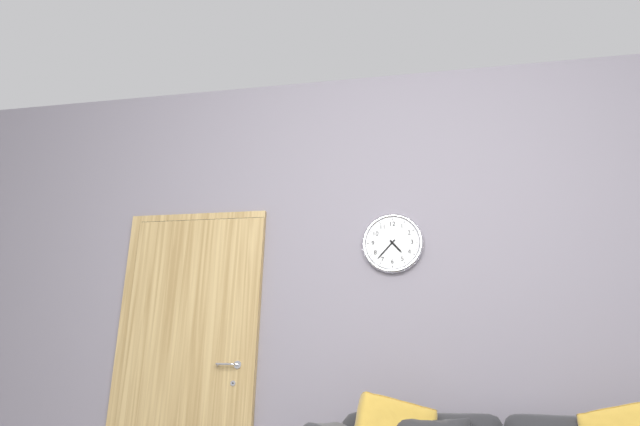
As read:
4,37
